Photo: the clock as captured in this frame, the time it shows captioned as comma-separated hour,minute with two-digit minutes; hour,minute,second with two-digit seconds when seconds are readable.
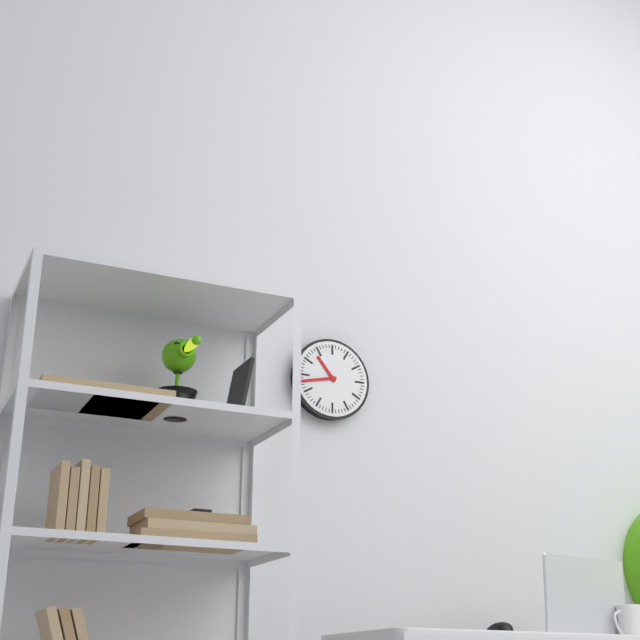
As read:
10,43
